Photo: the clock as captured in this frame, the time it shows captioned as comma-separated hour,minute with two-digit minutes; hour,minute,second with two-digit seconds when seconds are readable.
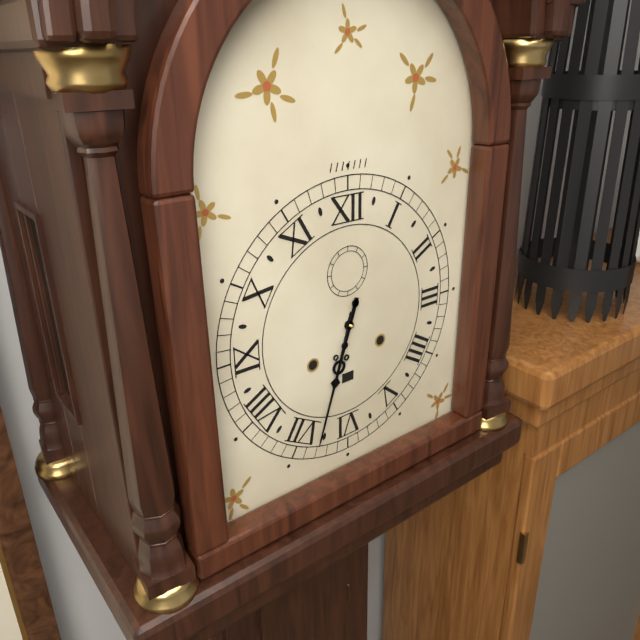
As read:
6,33
